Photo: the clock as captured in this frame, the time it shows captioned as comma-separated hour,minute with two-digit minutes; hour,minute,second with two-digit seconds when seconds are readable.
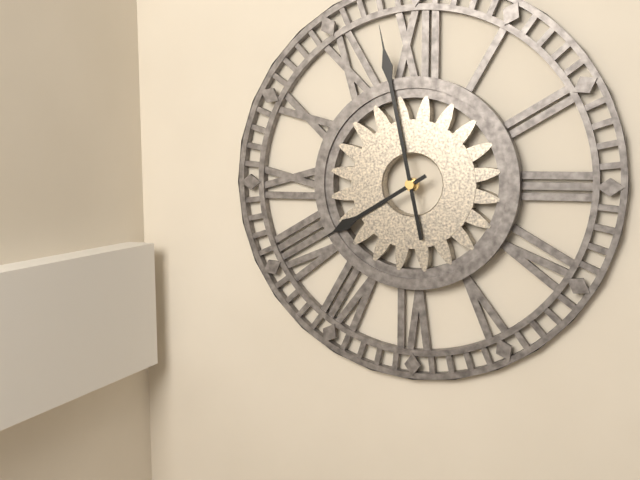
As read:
7,58
